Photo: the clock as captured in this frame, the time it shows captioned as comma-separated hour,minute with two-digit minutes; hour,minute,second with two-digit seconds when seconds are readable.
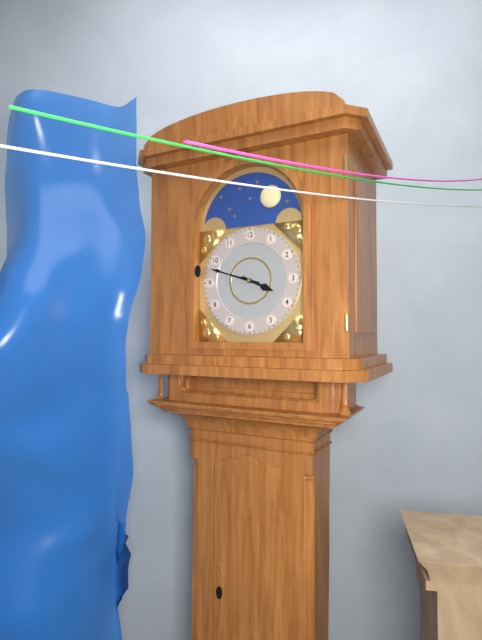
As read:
3,48
